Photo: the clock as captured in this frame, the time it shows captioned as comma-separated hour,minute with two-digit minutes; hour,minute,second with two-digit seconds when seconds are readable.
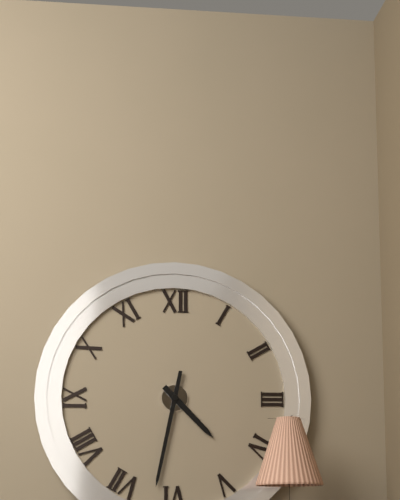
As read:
4,32
